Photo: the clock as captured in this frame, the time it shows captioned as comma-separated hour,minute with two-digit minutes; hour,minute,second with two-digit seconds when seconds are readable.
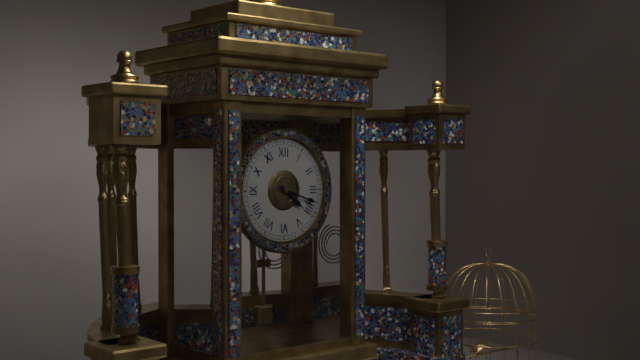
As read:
4,18
